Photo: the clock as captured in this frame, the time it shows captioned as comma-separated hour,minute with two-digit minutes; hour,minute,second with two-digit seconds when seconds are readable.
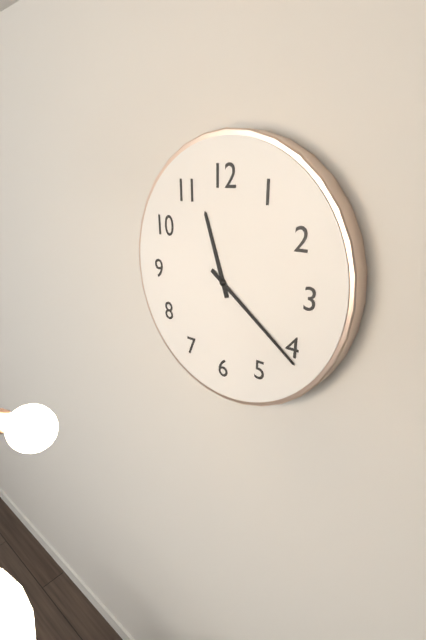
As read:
11,21
